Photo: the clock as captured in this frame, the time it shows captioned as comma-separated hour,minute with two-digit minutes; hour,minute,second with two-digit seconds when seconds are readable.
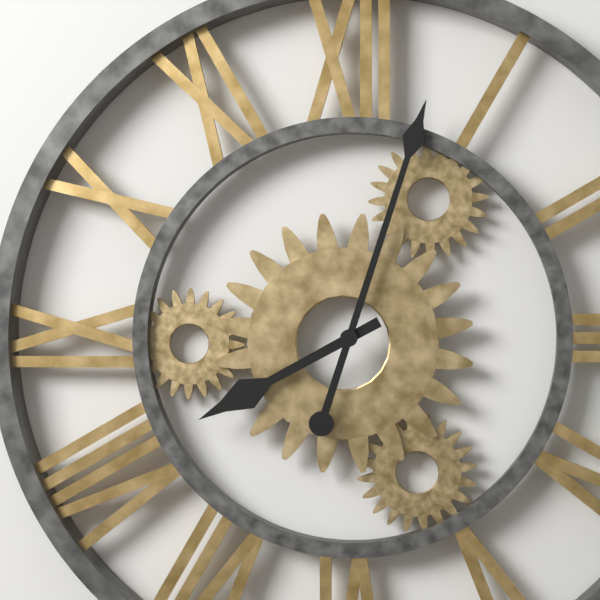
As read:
8,03
